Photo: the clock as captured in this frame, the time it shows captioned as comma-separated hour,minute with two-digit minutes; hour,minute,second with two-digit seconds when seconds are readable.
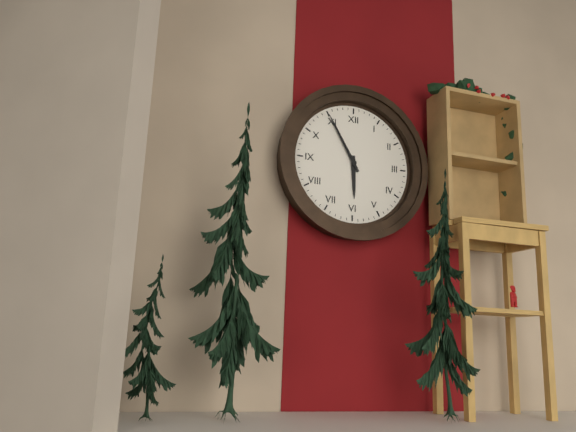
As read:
5,55
